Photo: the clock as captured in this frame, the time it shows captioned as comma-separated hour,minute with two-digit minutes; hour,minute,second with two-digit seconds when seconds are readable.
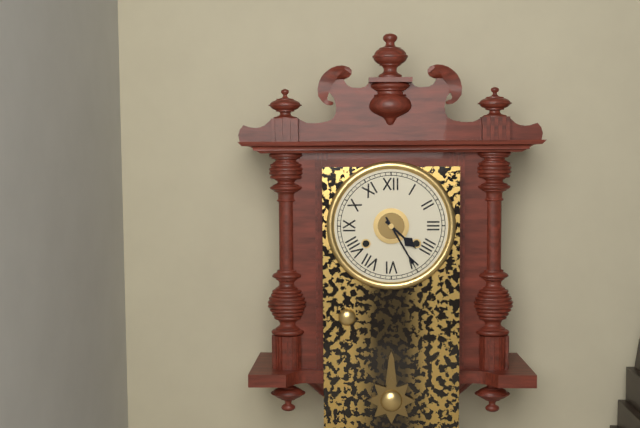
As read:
4,25
